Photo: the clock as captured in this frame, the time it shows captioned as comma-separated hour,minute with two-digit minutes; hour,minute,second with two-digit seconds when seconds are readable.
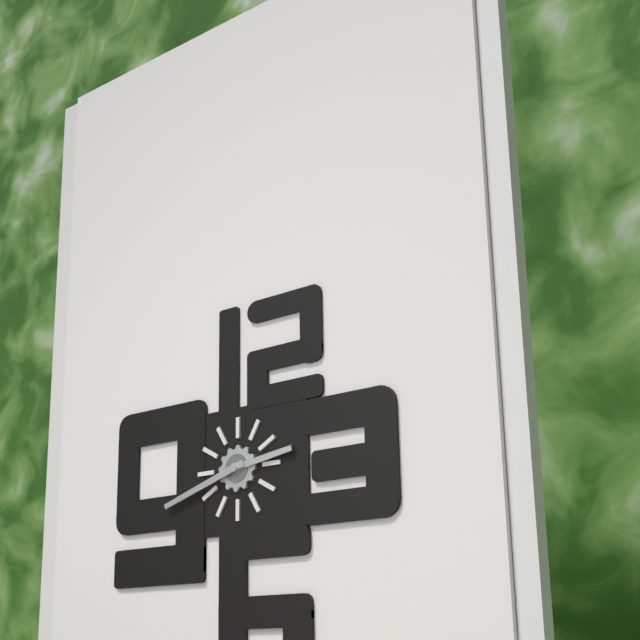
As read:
2,42
